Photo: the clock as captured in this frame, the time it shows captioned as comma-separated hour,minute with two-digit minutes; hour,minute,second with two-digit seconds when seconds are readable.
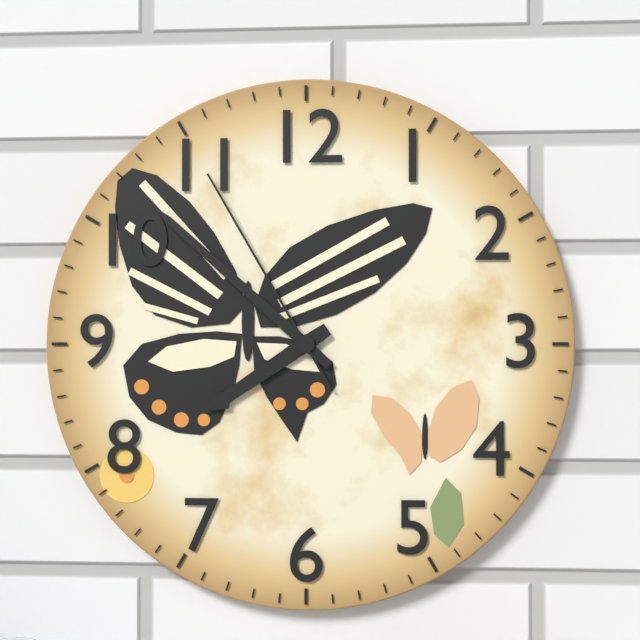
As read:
7,52,55
